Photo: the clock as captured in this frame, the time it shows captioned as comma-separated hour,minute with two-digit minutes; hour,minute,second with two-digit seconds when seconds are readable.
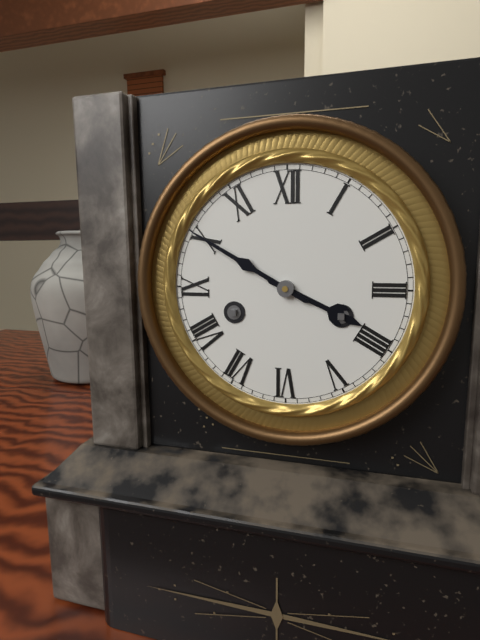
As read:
3,50
